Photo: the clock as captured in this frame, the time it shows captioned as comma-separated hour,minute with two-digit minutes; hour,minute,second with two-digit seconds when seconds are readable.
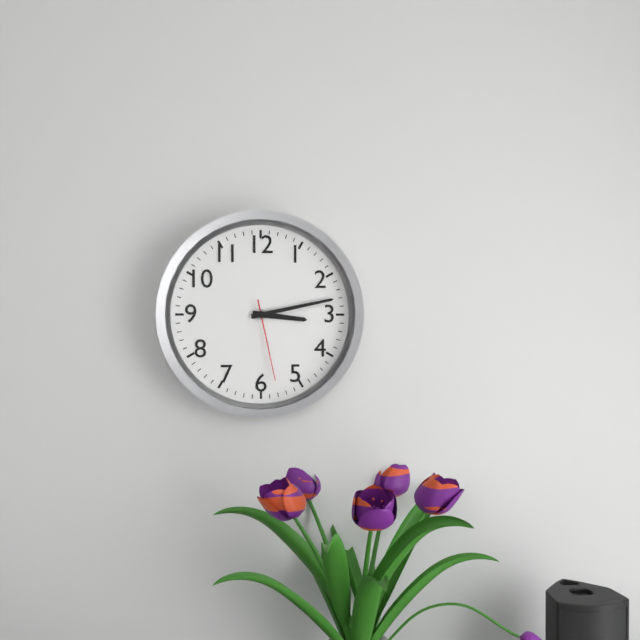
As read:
3,13,28
